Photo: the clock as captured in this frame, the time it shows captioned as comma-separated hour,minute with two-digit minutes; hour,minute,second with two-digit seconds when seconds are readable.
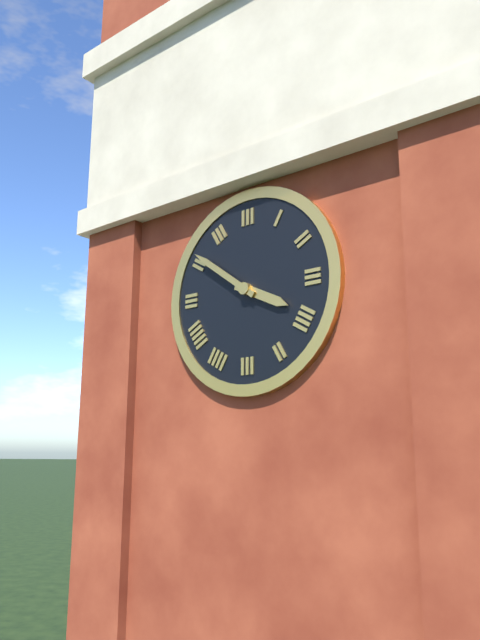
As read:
3,51
